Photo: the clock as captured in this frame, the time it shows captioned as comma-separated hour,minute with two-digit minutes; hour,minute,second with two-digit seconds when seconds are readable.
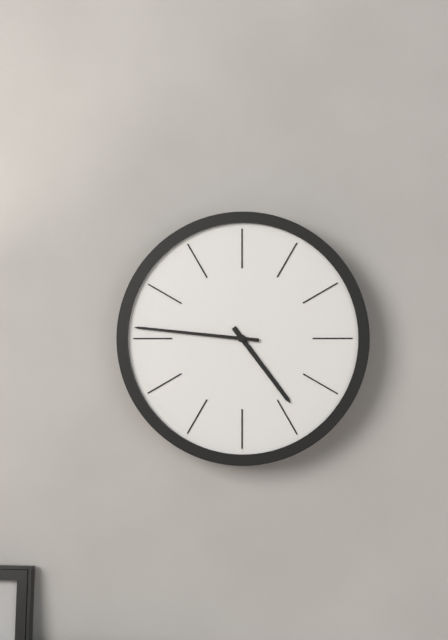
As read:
4,46
